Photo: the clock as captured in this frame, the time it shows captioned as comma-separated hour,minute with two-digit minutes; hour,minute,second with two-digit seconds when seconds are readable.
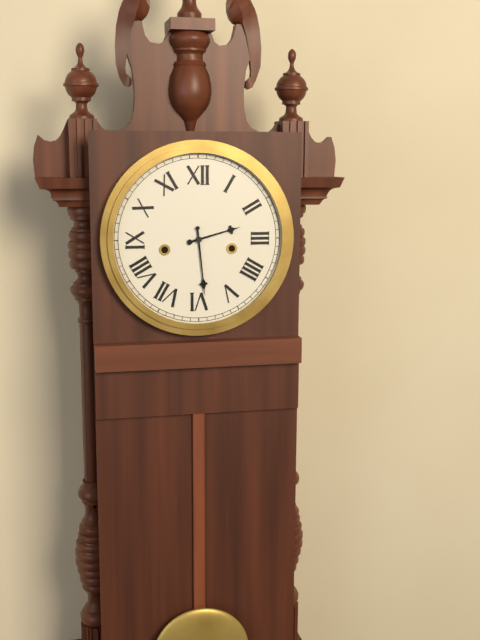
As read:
2,29
